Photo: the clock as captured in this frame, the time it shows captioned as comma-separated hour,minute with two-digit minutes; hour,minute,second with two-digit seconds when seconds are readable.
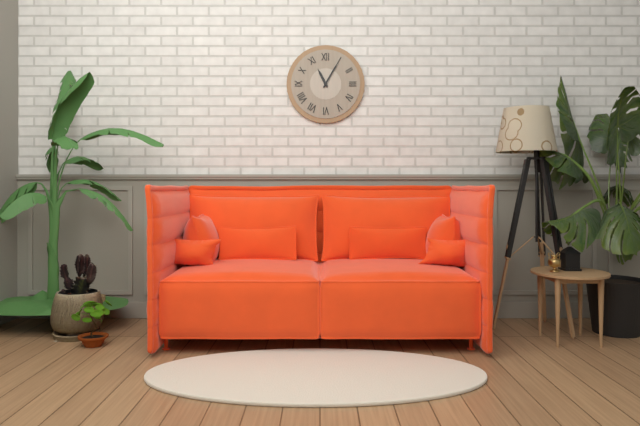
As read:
11,05
